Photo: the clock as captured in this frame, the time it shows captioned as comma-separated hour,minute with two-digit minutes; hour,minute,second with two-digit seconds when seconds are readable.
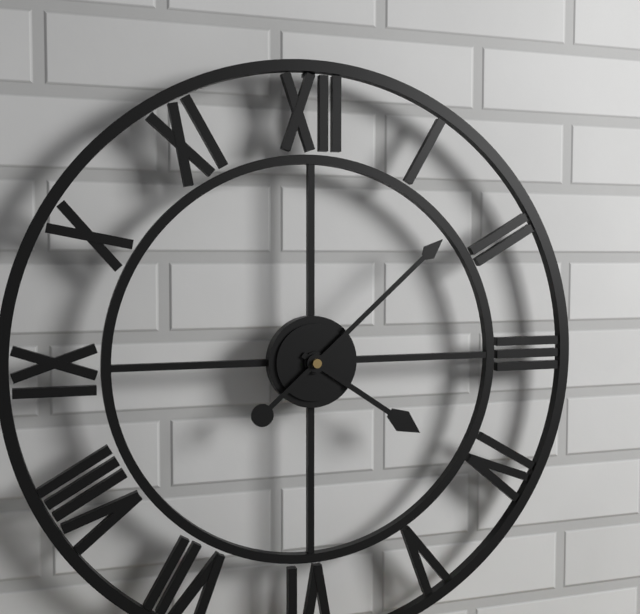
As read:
4,08
